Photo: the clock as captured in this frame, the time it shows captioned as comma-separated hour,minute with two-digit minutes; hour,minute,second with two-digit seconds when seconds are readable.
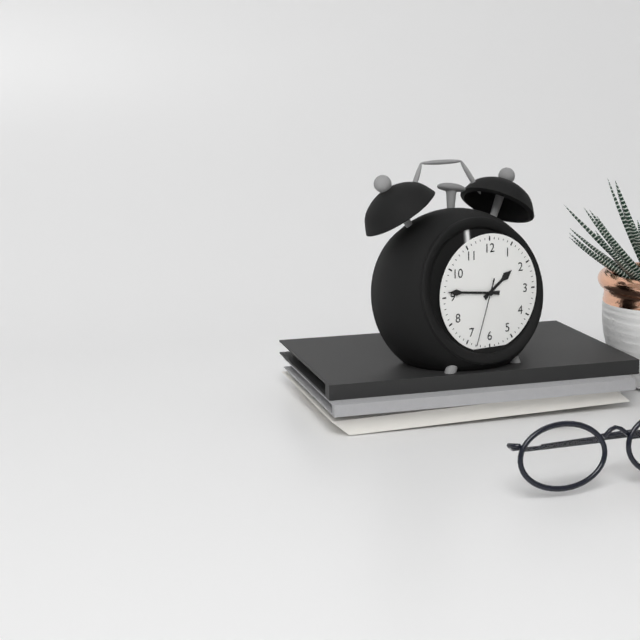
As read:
1,46,33
